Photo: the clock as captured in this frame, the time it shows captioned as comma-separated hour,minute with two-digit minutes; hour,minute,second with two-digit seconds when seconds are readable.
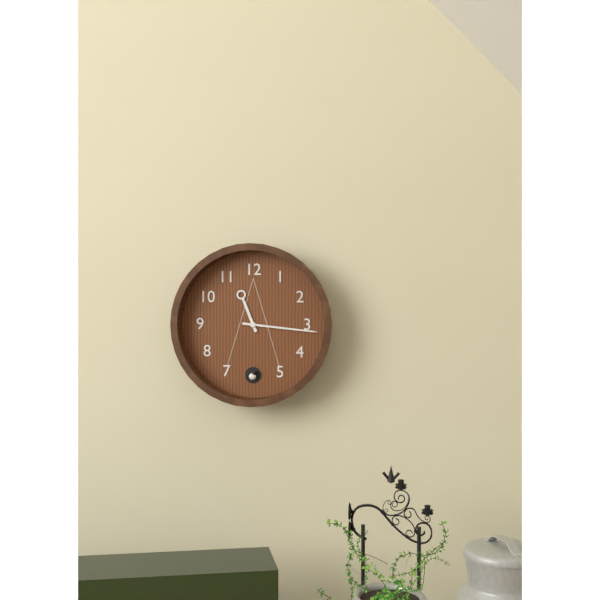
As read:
11,16
